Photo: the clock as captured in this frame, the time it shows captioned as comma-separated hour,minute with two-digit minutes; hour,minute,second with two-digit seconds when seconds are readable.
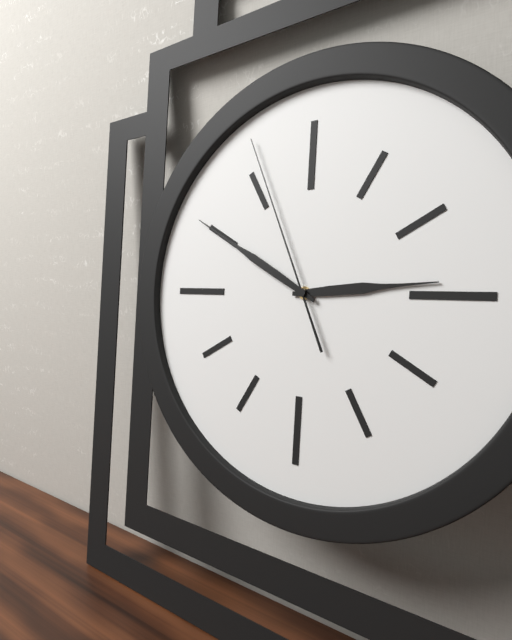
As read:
2,50,56
